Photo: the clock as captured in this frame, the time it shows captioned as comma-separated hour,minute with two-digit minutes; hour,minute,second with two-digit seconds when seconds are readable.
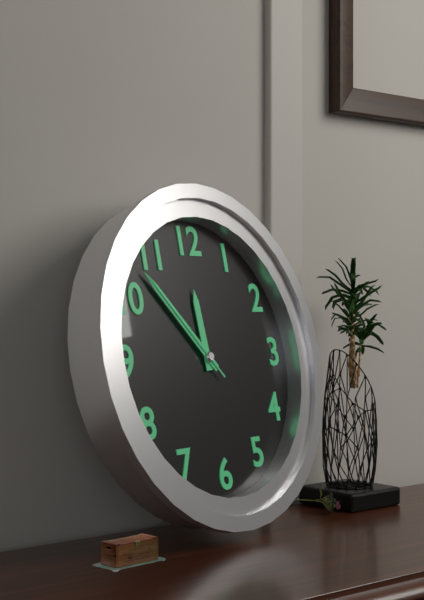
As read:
11,53,53
